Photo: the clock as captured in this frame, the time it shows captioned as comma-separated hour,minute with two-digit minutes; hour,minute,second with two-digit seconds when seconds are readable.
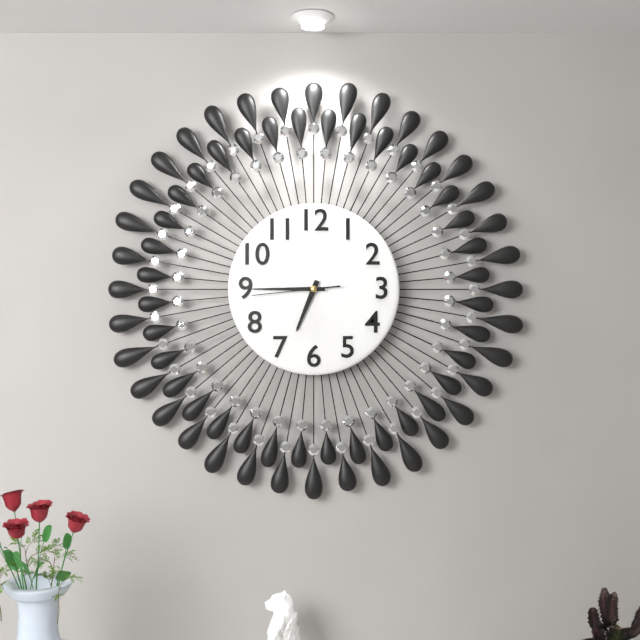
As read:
6,45,44
